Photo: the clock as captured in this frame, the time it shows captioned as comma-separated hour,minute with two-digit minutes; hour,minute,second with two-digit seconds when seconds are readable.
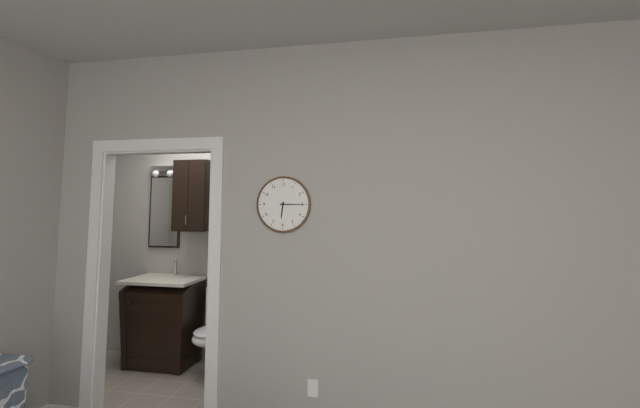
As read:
6,15
